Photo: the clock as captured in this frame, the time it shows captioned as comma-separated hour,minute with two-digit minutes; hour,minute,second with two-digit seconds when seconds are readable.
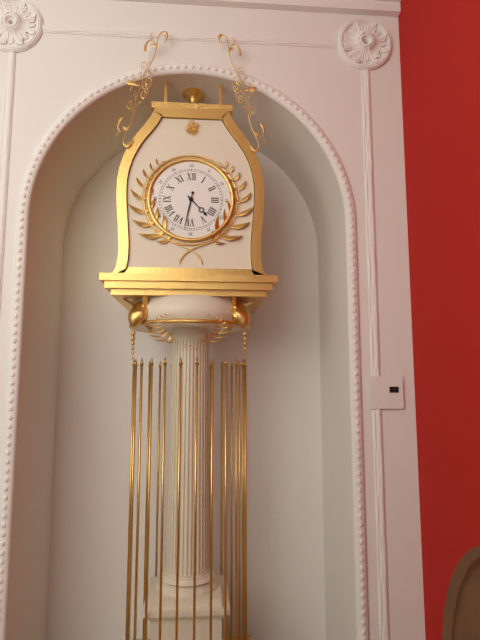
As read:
4,32
